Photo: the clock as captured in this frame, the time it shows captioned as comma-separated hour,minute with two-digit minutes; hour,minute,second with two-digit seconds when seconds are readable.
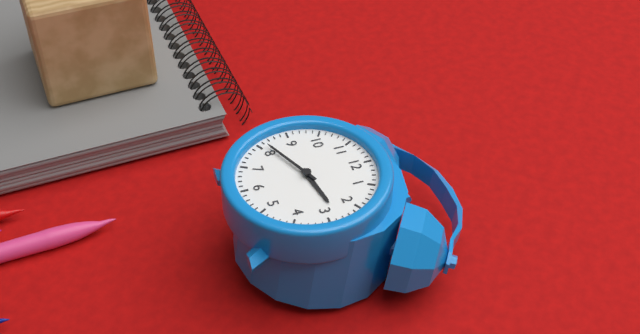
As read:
2,41
